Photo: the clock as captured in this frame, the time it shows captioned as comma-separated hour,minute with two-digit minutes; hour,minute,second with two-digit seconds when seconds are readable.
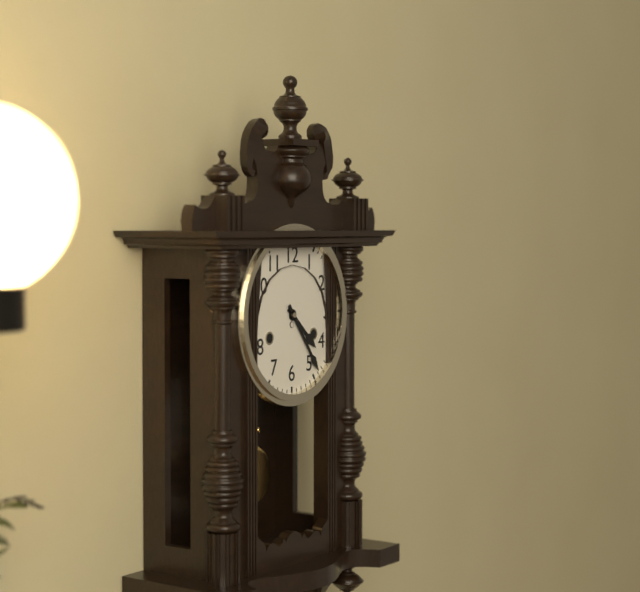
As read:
4,24
